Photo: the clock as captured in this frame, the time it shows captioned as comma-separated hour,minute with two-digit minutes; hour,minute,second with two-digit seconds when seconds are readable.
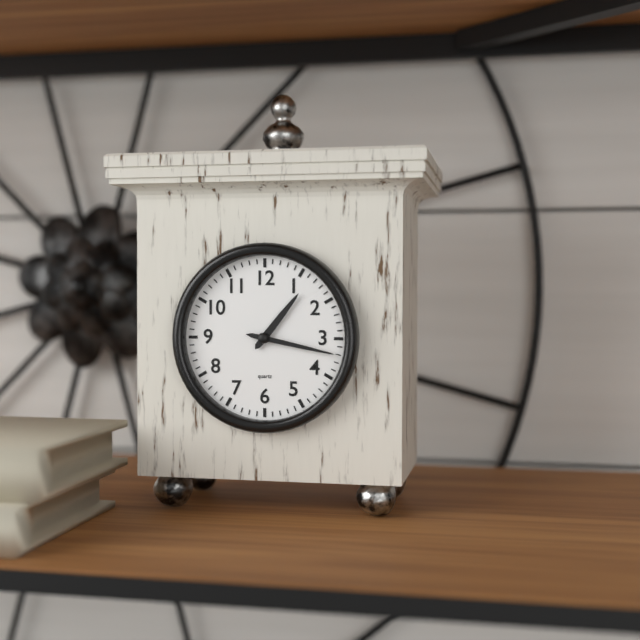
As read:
1,17
